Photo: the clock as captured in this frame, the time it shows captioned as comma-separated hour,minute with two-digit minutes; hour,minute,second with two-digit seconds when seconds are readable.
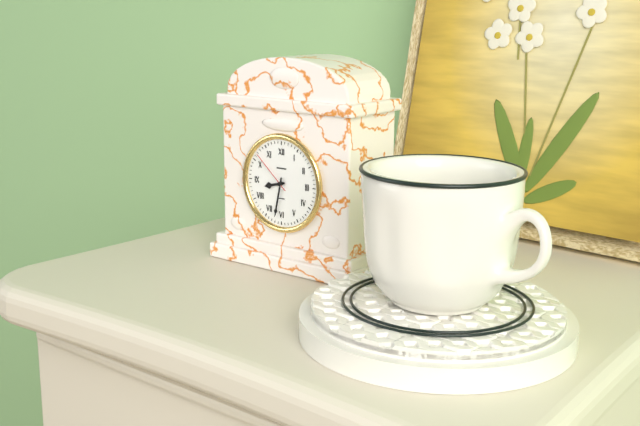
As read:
8,32
